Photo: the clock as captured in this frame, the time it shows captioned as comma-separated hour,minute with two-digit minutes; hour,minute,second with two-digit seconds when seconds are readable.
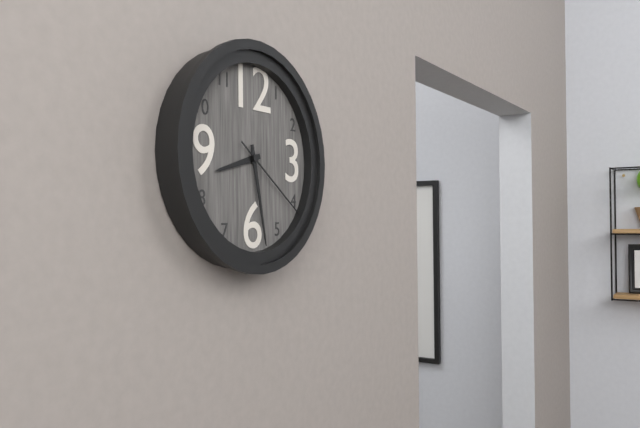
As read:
8,28,21
